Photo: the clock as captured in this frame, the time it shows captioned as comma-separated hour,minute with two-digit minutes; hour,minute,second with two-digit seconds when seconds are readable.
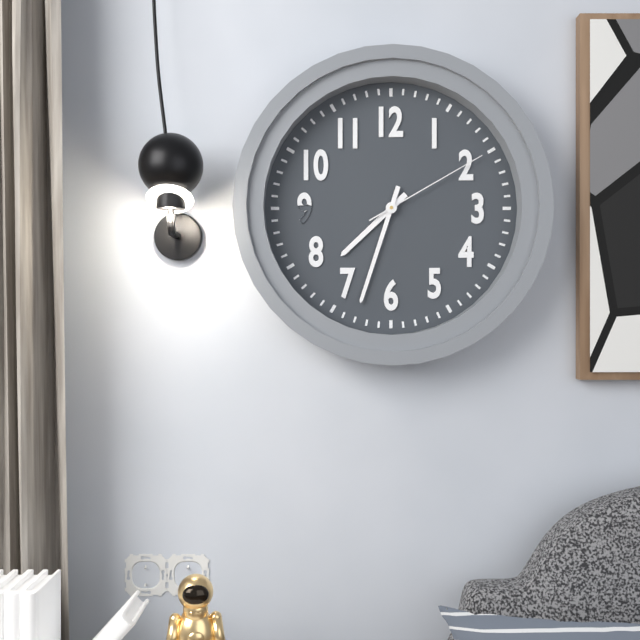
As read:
7,33,10
